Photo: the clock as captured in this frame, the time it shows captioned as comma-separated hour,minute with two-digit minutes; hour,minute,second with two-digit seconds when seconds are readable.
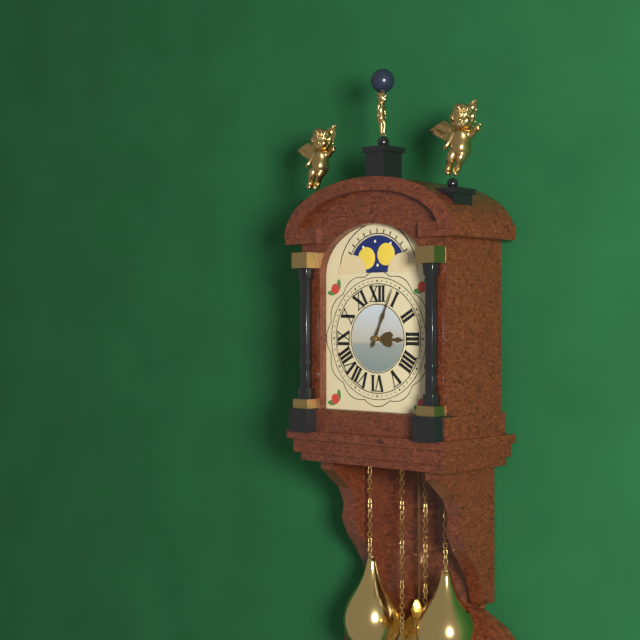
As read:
3,04
